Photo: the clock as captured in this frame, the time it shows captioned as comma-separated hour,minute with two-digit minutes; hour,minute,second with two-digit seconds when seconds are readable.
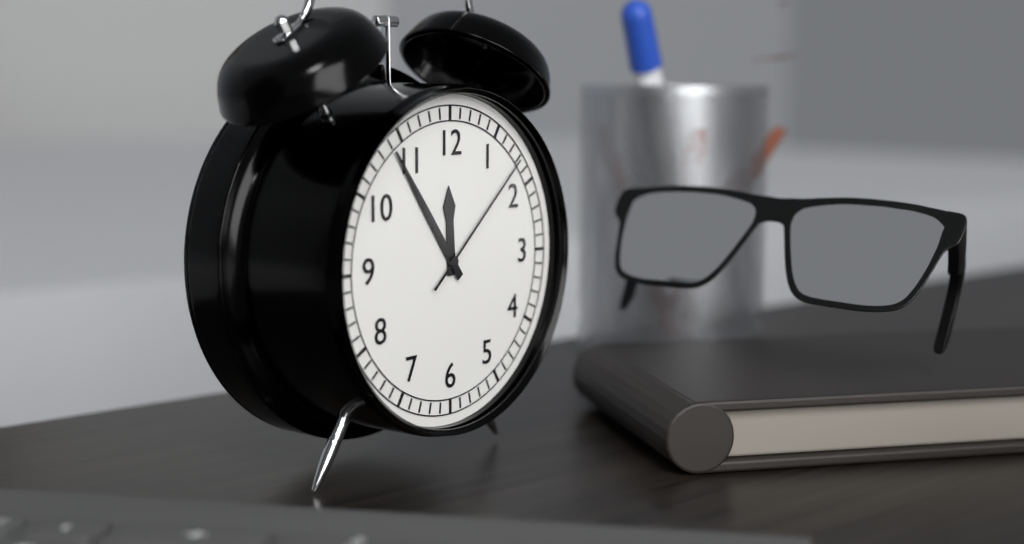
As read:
11,54,08
